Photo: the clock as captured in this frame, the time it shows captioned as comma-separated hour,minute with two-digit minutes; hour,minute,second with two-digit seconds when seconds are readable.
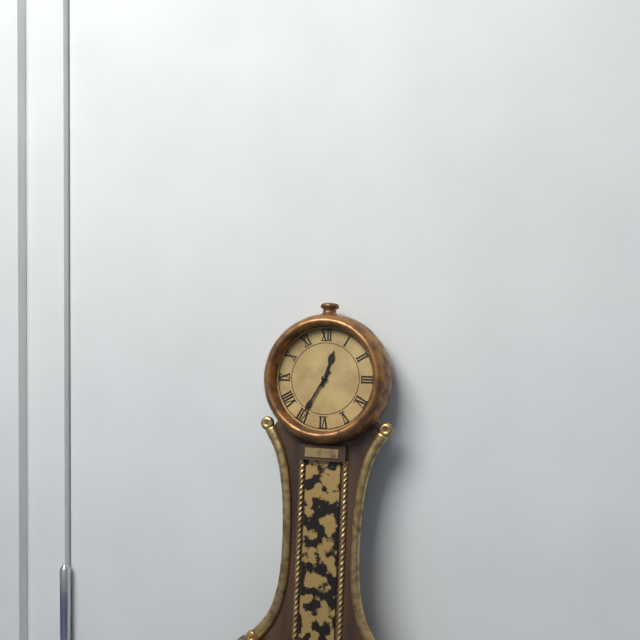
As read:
12,35
